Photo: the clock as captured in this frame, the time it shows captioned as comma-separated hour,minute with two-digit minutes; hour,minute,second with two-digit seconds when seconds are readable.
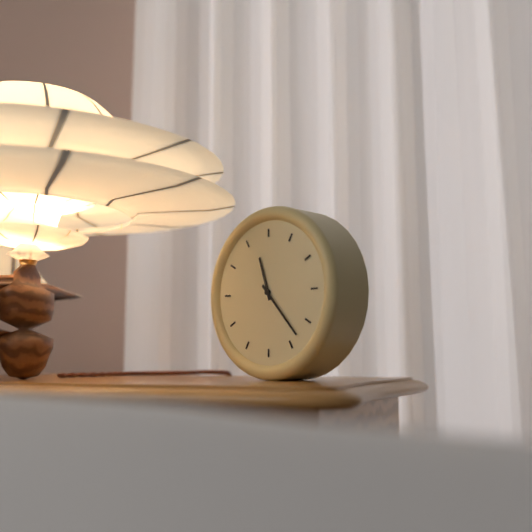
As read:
11,23
